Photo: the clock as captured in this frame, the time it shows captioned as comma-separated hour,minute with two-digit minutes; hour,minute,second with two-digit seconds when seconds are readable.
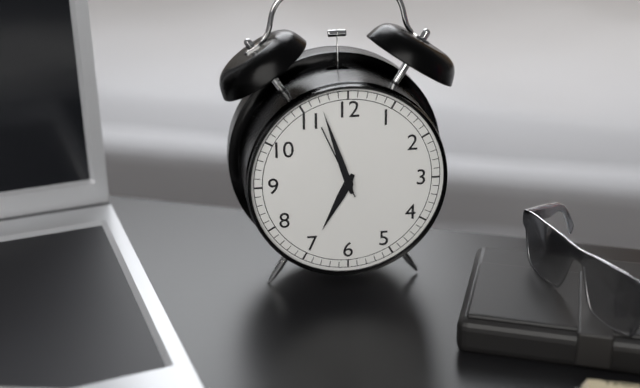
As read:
6,57,56
